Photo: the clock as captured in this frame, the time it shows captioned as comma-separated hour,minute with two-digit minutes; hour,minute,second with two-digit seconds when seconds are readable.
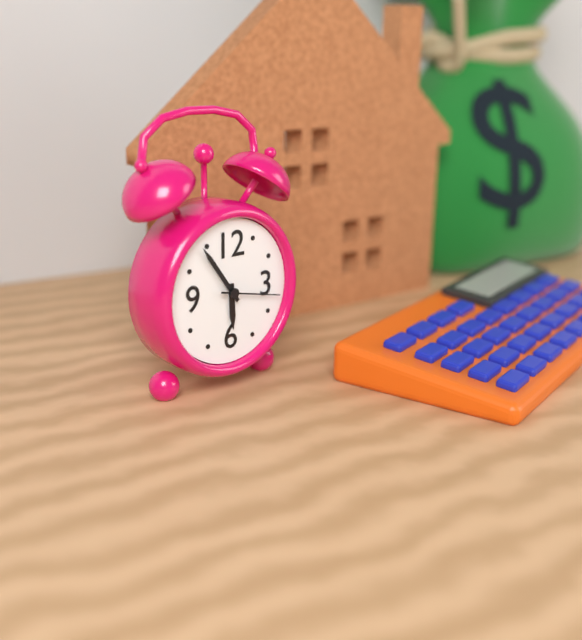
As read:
5,54,17
